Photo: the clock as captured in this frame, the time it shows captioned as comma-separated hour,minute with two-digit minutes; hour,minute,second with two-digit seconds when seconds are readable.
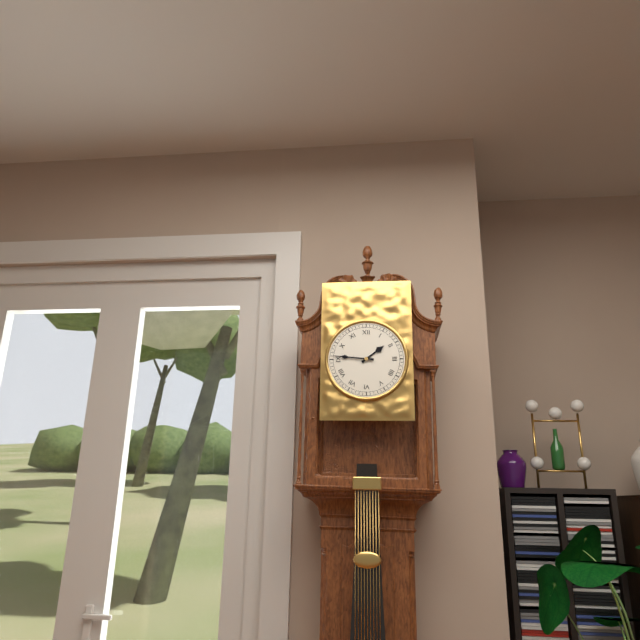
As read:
1,46
